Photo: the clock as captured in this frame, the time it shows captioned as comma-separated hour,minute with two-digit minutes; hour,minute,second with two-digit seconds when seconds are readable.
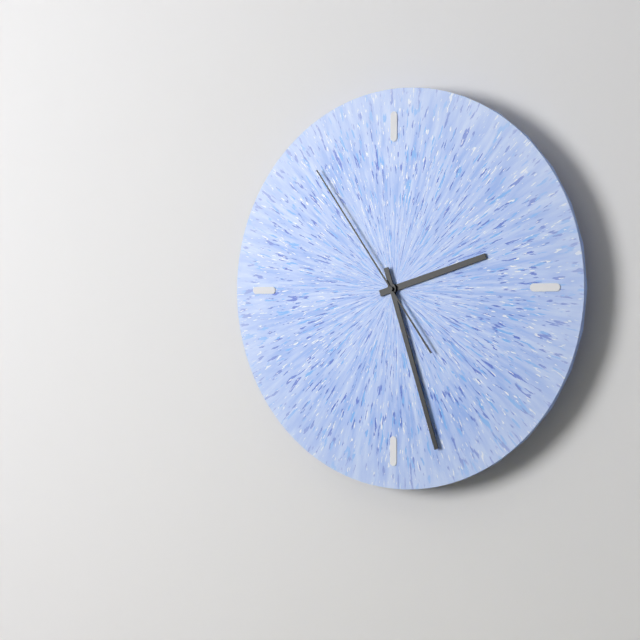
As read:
2,27,54
